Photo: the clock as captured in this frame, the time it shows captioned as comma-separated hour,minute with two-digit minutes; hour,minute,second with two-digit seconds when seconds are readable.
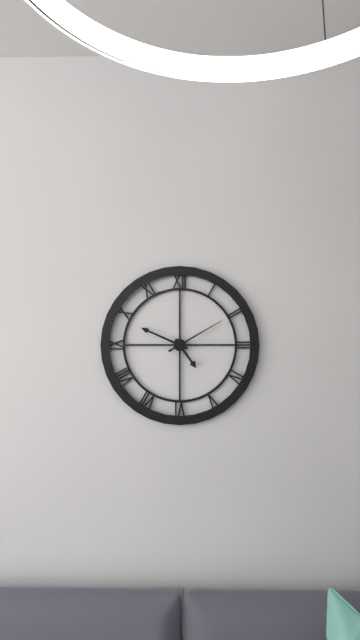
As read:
4,49,10
